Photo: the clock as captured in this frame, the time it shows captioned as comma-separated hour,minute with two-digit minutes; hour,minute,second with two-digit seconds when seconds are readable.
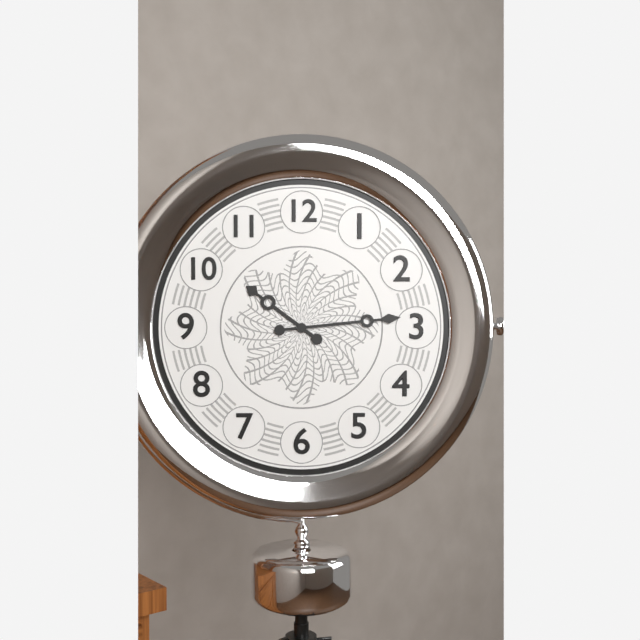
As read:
10,14
